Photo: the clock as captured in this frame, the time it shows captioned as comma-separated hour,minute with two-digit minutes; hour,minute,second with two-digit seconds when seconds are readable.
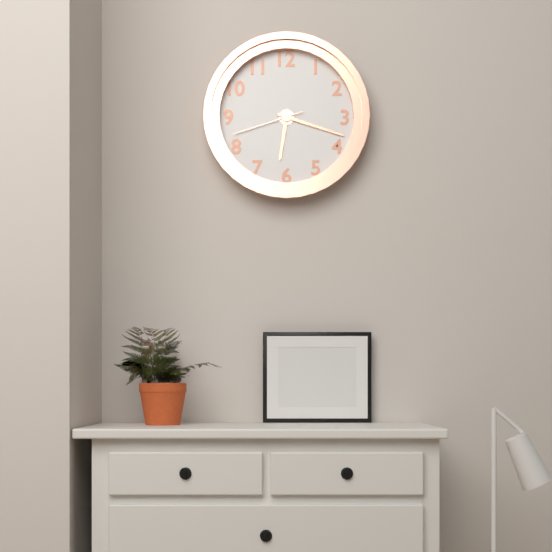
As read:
6,18,42
